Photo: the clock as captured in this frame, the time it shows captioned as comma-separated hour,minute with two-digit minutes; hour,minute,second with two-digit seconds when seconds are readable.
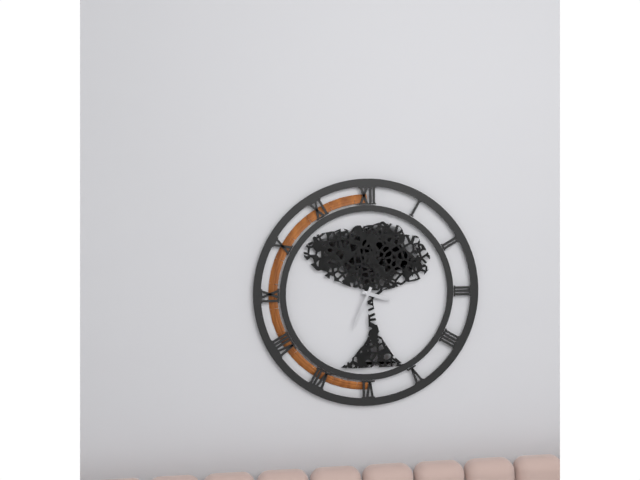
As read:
3,34
